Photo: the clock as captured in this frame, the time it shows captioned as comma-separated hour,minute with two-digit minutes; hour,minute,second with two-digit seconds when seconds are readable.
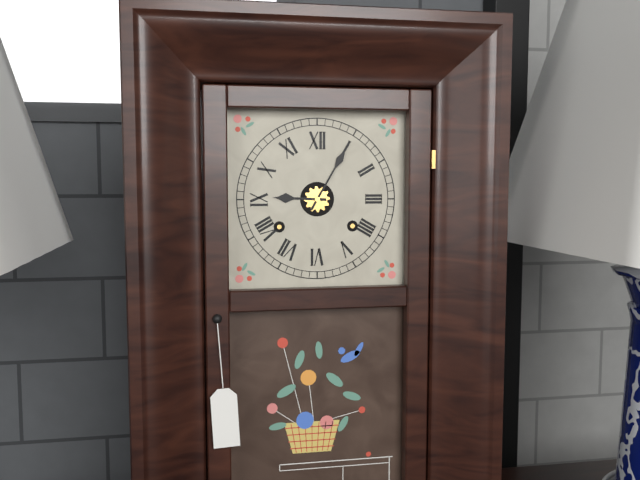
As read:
9,05
